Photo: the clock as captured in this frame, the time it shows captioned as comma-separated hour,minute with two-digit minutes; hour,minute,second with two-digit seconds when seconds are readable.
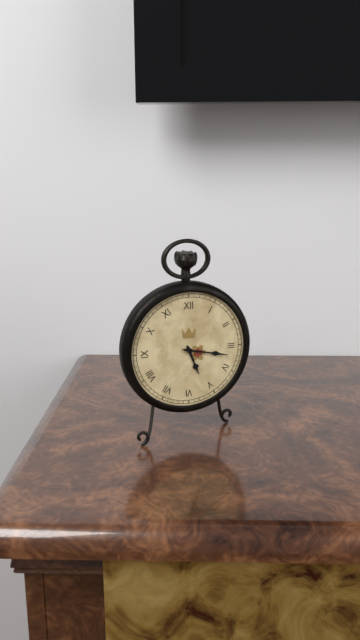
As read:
5,17
